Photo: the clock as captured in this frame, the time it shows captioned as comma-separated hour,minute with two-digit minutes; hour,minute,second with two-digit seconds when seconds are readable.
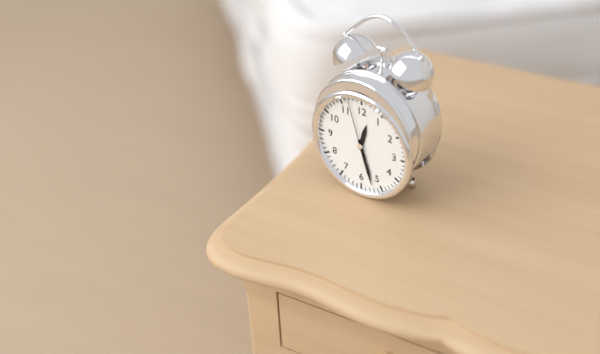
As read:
12,27,57
